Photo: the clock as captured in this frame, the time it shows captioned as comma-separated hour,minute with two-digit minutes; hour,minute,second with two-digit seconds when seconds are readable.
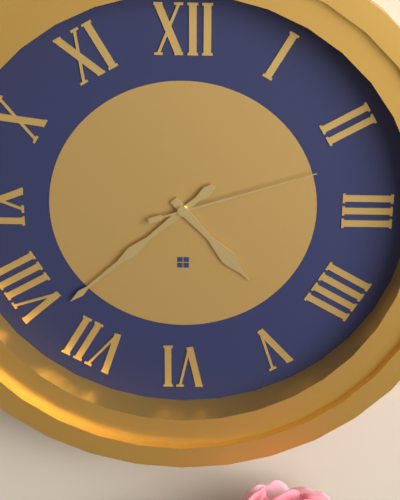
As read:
4,38,12
